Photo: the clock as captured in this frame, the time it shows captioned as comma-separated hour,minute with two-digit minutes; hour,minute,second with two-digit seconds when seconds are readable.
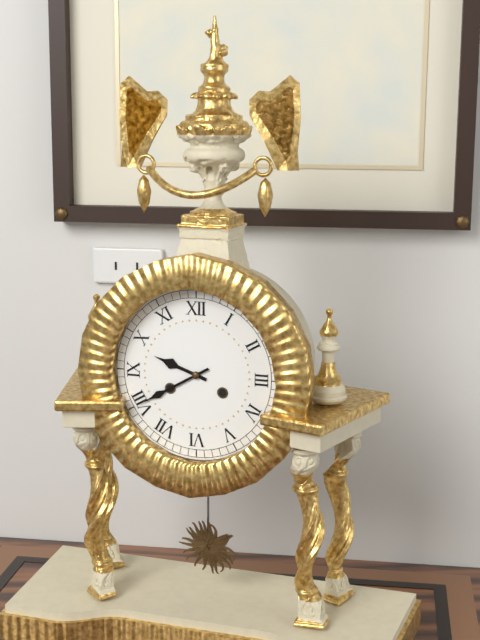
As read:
9,40
